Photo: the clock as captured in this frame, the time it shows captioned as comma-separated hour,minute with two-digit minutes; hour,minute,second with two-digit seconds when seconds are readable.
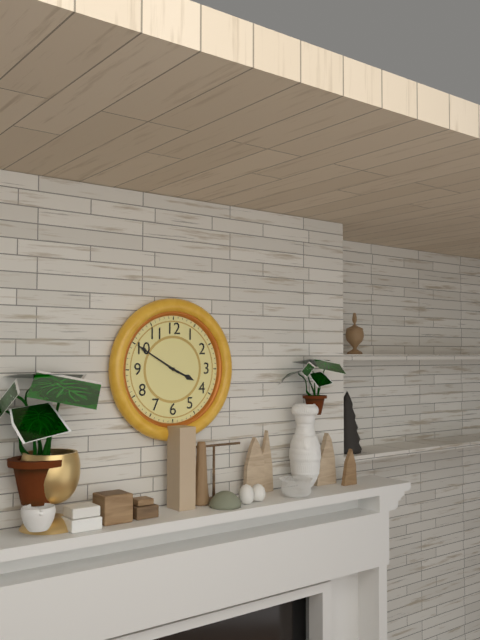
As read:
3,50
